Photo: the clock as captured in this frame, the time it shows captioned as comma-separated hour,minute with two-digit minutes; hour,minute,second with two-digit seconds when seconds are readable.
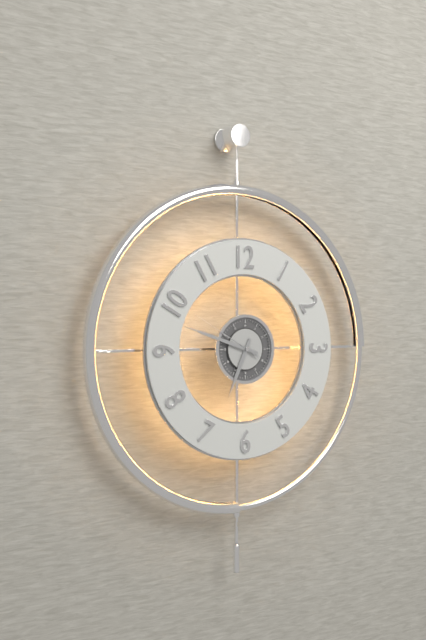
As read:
6,48,50
